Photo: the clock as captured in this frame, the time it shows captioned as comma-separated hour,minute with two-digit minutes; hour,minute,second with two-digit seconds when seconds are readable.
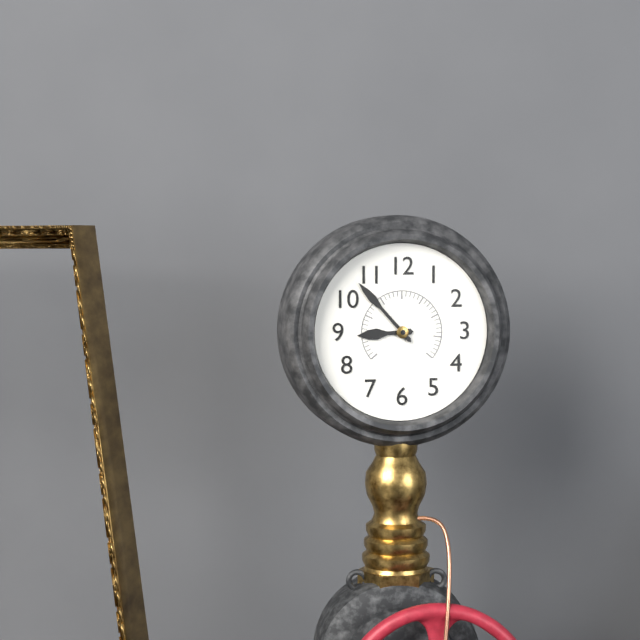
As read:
8,53
